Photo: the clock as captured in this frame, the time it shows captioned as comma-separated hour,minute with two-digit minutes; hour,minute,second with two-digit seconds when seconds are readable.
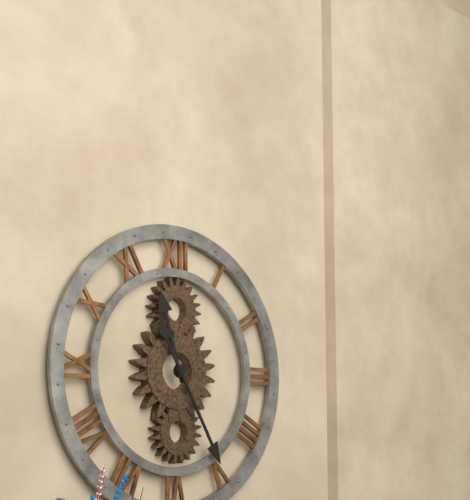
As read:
11,25
